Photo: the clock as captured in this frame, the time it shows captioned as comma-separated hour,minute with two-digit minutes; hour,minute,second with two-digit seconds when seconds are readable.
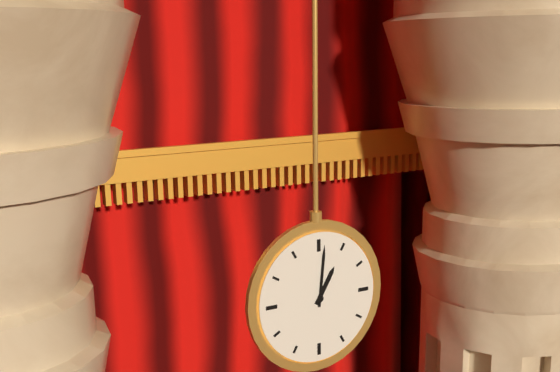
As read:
1,01
